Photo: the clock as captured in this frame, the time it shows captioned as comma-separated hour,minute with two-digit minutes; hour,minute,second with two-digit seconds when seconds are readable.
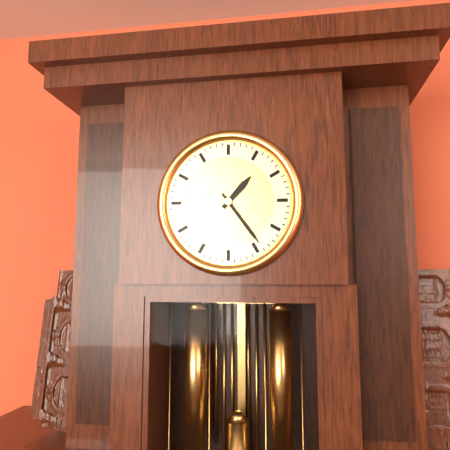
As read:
1,24
